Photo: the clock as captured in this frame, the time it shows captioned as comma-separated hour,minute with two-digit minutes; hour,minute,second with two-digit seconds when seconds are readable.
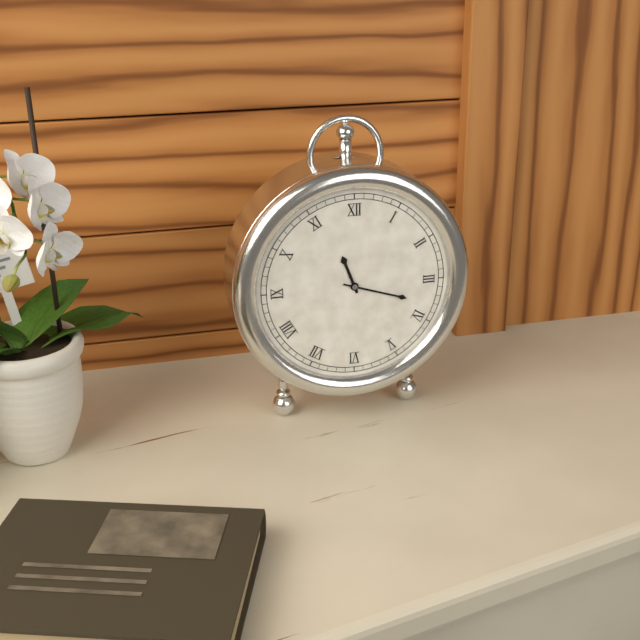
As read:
11,18
